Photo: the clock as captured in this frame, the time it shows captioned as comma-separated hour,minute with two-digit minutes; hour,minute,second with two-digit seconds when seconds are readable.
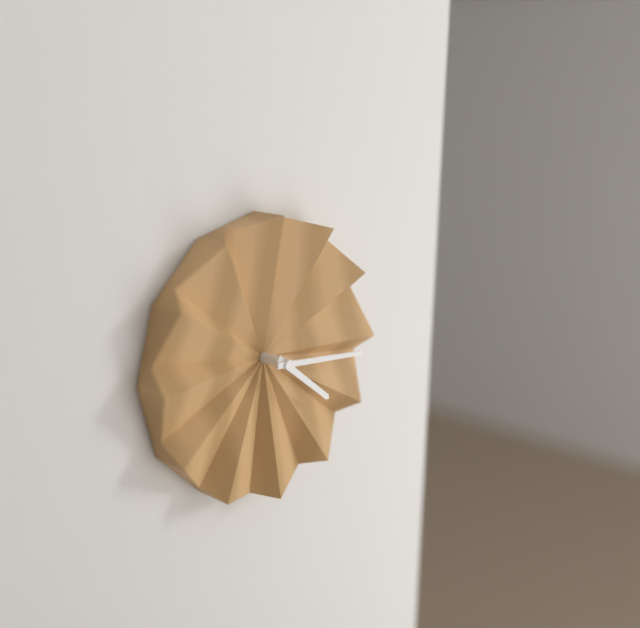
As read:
4,16
